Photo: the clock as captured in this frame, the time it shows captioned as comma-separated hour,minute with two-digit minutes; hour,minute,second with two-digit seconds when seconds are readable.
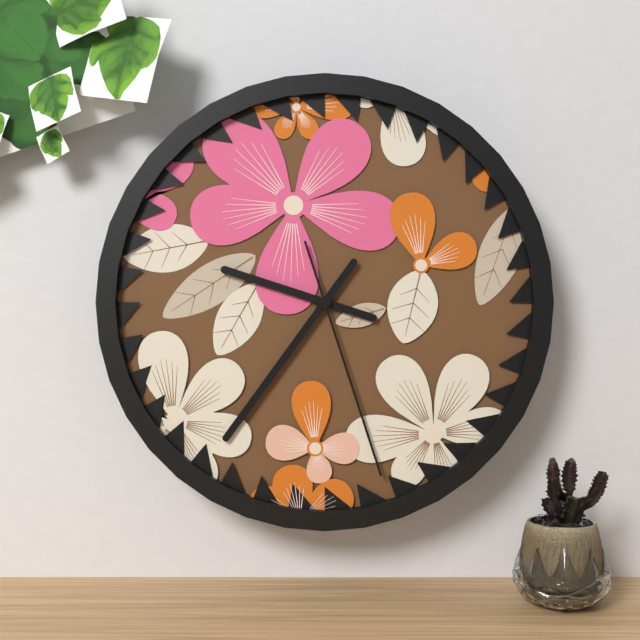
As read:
9,36,27
